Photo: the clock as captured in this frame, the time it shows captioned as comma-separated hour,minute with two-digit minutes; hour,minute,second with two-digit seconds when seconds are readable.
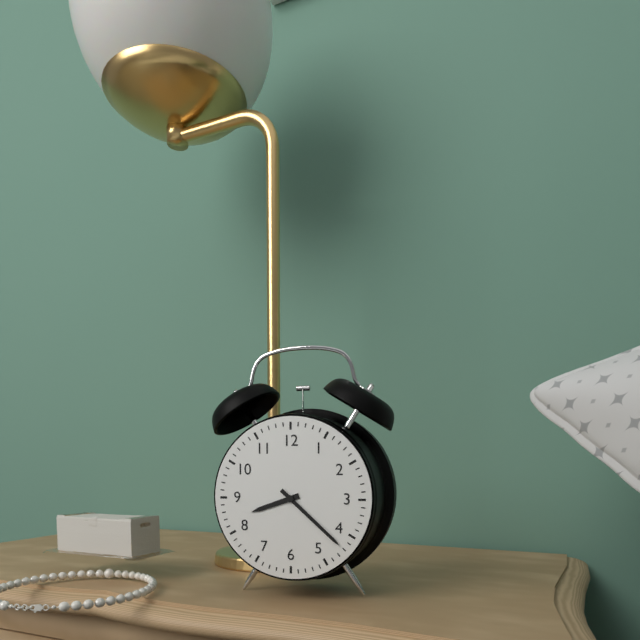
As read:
8,22
